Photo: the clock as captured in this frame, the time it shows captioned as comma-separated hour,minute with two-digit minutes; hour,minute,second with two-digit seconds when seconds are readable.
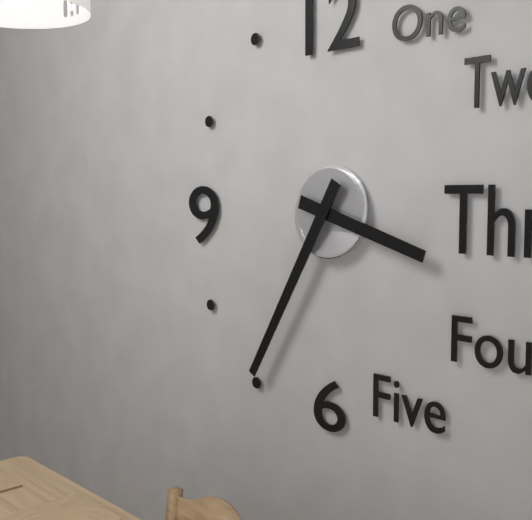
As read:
3,35
